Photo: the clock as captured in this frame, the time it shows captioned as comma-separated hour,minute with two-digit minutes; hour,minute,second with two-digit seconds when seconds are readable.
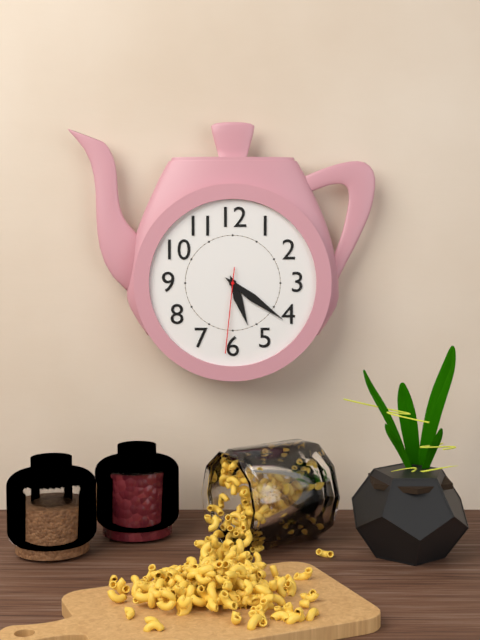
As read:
5,21,31
